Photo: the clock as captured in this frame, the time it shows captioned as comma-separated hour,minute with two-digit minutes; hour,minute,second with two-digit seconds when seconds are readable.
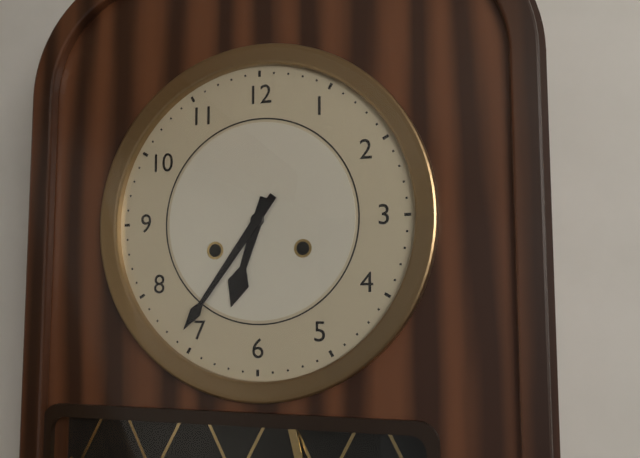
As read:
6,36
